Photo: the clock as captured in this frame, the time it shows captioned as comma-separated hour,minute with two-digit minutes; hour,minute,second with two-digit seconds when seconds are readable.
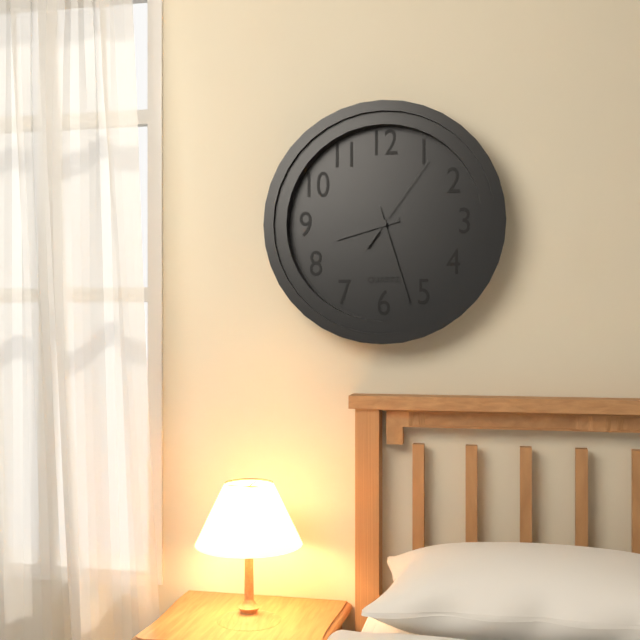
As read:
8,27,06
